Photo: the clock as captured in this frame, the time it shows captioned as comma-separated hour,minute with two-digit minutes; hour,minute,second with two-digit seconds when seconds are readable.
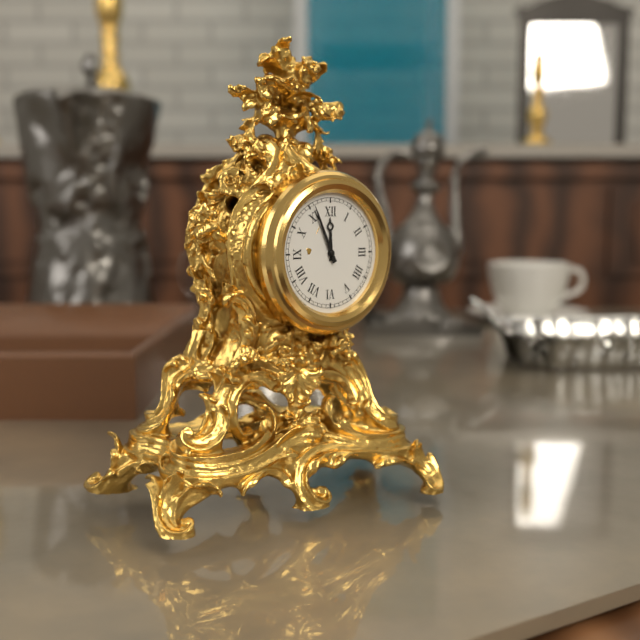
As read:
11,56
